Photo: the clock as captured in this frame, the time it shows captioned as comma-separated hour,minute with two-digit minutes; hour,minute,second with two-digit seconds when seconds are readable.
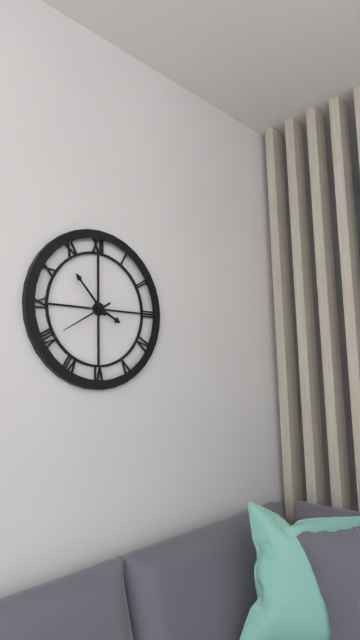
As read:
3,53,40
